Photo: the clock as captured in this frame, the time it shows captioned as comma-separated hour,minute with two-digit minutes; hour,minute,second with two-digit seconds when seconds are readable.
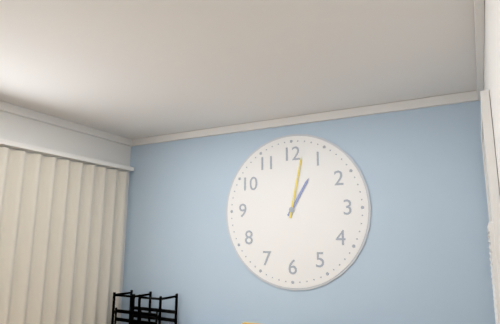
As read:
1,02
